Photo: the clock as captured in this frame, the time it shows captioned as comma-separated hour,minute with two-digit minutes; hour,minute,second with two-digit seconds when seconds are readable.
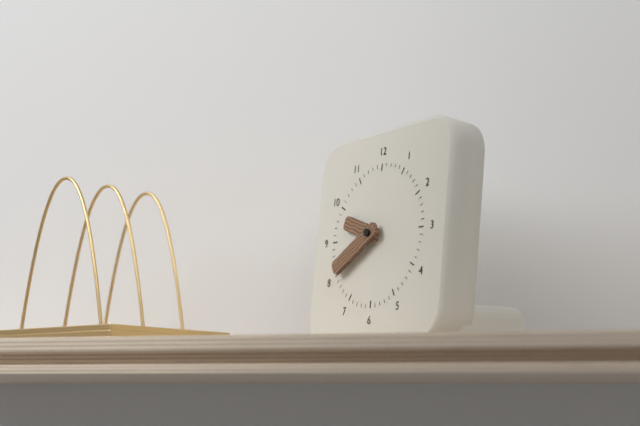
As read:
9,40
